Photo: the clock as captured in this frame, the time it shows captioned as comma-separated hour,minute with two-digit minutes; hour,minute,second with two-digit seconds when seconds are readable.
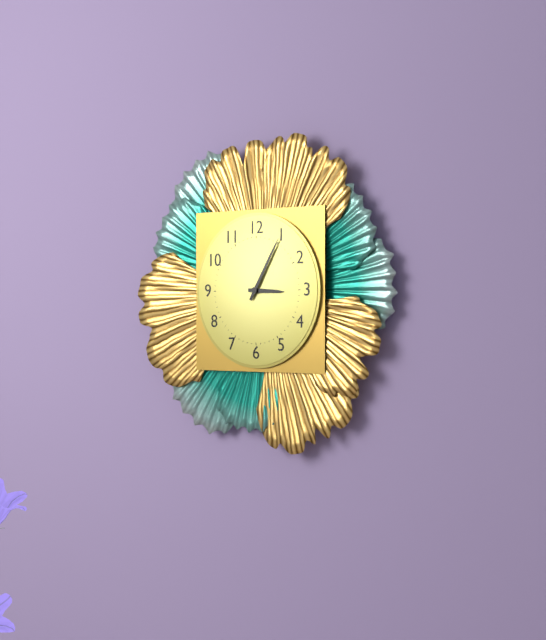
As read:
3,05
